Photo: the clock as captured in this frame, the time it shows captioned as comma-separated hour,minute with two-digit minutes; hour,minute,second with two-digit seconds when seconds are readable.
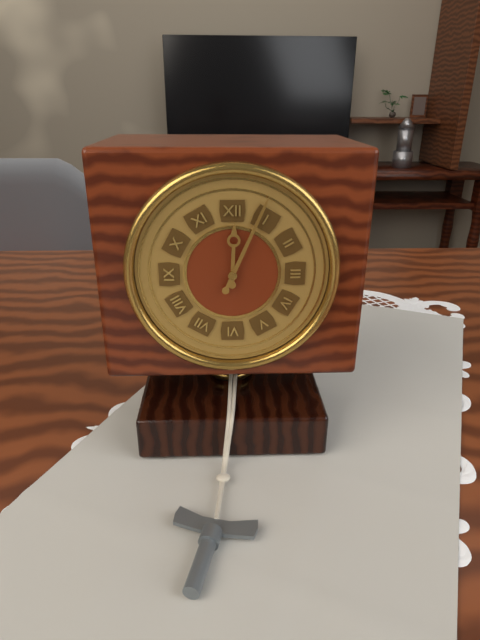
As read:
12,04
